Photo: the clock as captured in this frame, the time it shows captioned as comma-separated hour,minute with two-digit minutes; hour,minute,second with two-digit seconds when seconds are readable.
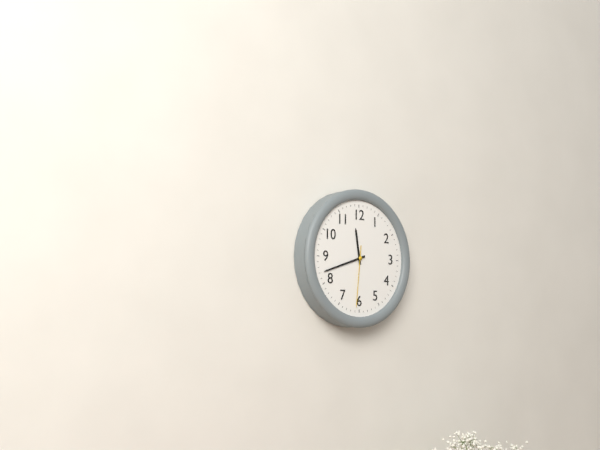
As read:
11,42,31
